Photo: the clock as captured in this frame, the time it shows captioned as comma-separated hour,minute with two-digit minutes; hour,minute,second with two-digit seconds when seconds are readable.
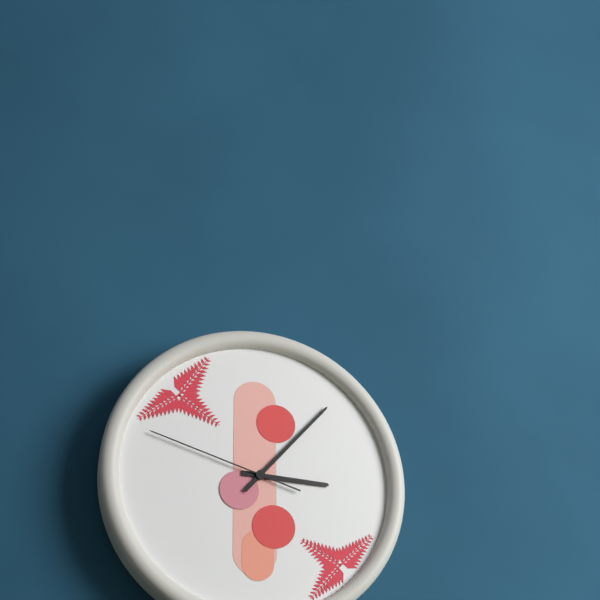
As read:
3,07,48
